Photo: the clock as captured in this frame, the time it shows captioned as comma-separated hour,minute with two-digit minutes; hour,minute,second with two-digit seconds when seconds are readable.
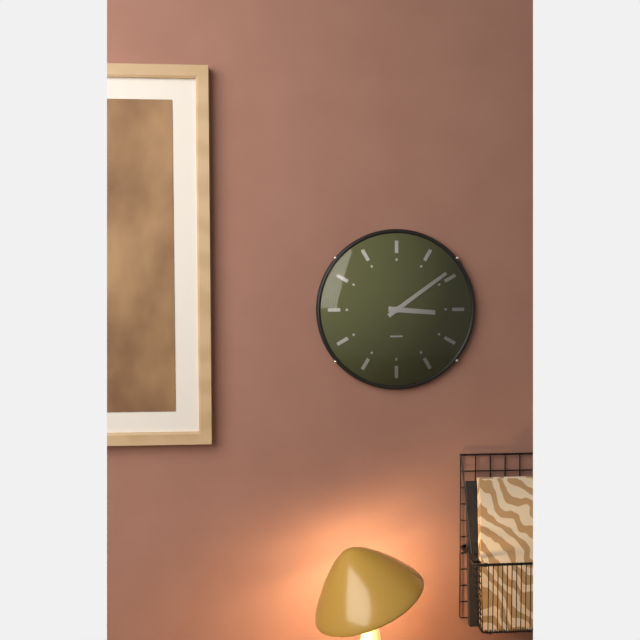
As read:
3,09
